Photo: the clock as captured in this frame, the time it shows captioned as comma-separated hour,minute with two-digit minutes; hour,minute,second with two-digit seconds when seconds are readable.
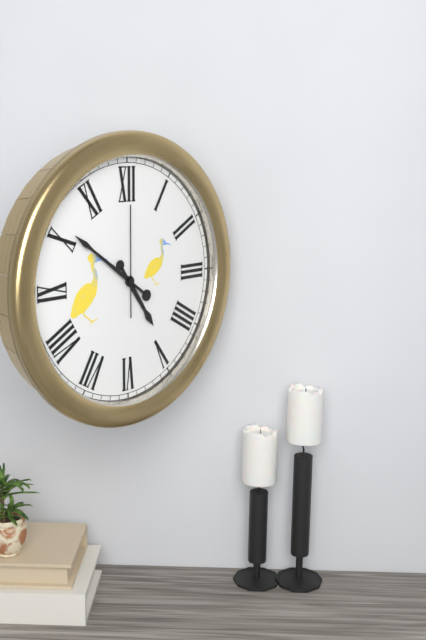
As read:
4,51,00
